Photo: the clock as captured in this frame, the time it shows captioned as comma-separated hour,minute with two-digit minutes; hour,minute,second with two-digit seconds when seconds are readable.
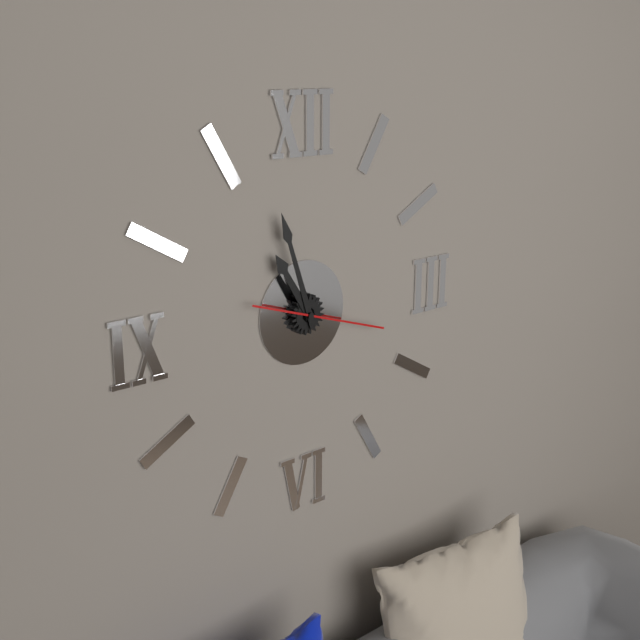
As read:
10,57,18
